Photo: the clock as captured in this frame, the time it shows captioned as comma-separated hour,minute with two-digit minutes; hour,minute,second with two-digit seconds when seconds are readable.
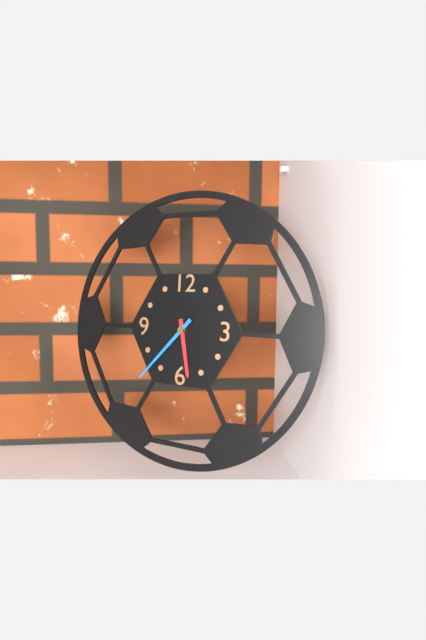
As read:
5,37
